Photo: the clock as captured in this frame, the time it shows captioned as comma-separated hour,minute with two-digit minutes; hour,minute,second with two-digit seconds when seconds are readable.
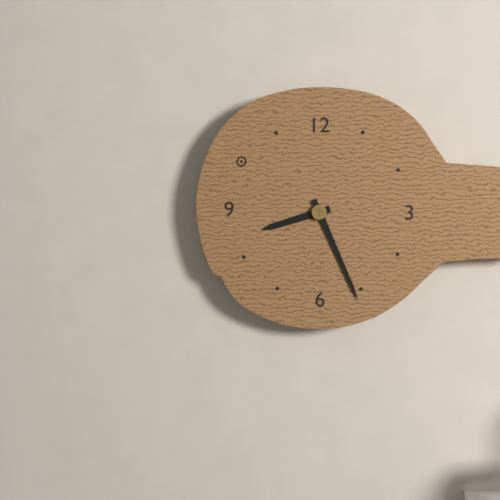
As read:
8,26
